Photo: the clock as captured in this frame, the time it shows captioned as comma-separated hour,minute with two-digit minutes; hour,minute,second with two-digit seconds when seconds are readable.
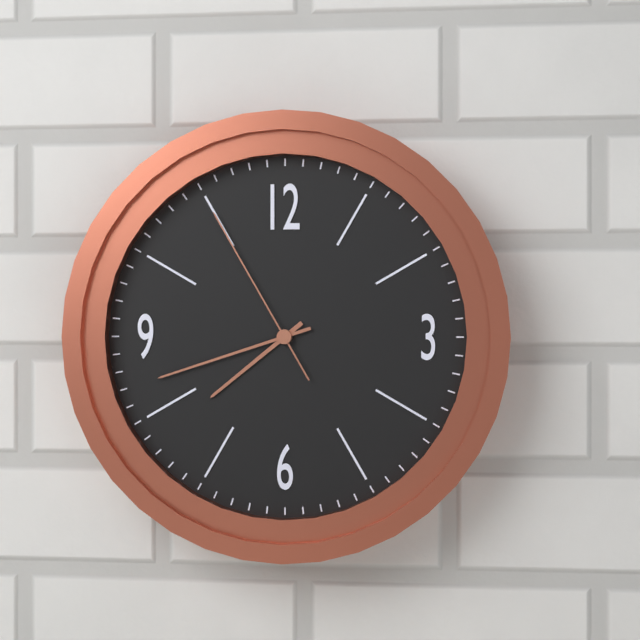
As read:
7,42,55
